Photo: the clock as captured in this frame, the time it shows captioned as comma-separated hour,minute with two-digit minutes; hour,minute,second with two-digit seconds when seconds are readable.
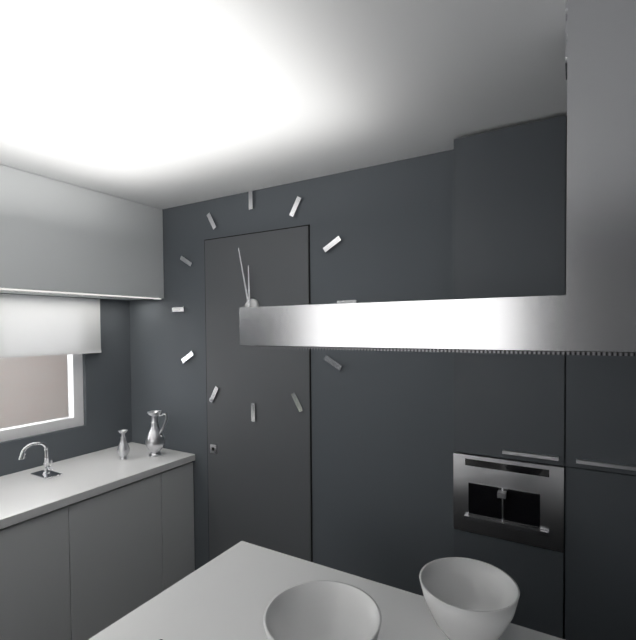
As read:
11,58
